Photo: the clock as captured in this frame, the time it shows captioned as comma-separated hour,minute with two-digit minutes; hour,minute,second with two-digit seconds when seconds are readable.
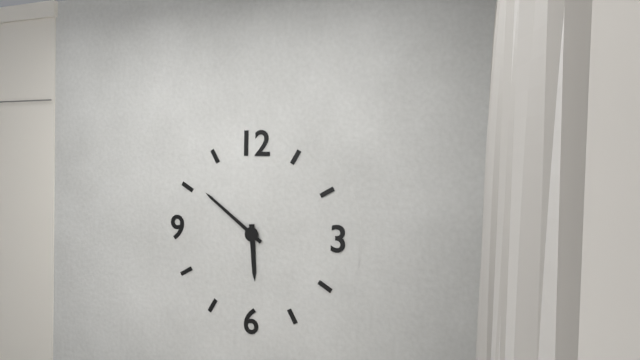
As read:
5,51
